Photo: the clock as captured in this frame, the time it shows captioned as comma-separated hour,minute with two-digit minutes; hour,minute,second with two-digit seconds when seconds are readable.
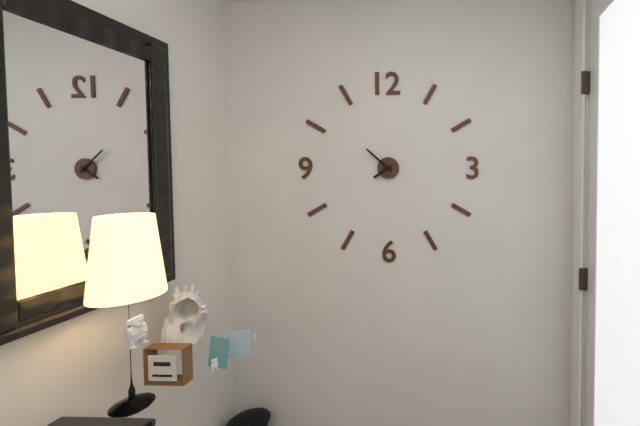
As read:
7,52
